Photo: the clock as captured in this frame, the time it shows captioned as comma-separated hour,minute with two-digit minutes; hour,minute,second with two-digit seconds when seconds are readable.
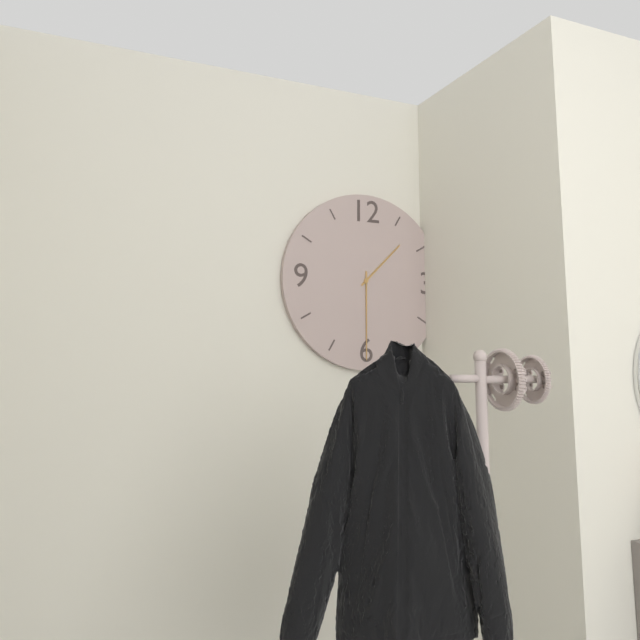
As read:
1,30
